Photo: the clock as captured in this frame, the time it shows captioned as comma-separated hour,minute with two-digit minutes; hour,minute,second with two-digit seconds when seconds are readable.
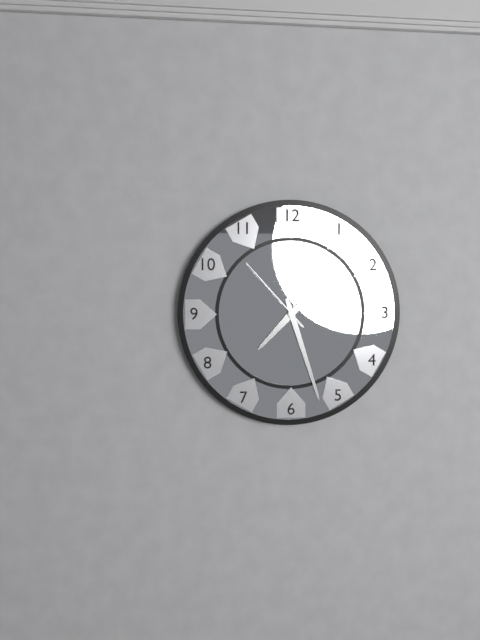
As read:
7,27,53
